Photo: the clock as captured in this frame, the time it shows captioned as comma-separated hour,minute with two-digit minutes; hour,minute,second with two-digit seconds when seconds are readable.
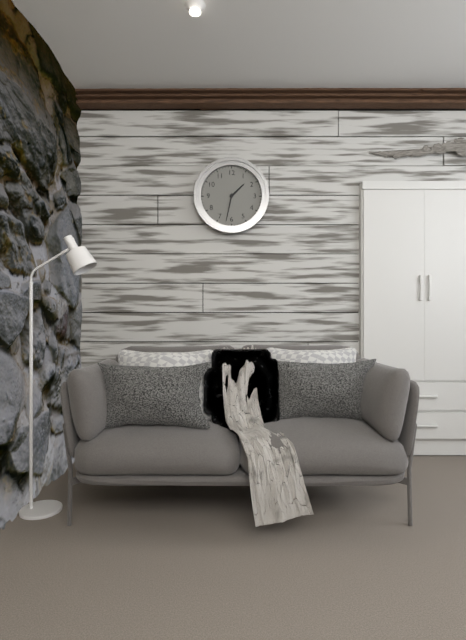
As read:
1,32
